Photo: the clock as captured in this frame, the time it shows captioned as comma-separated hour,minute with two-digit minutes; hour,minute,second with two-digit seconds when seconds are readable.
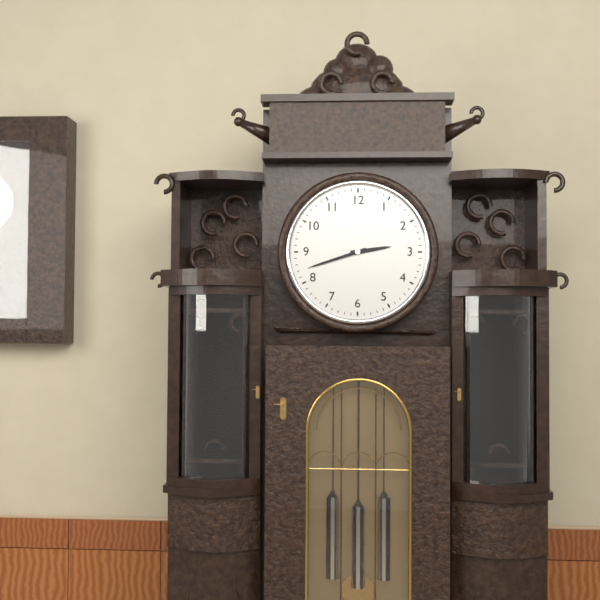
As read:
2,42
